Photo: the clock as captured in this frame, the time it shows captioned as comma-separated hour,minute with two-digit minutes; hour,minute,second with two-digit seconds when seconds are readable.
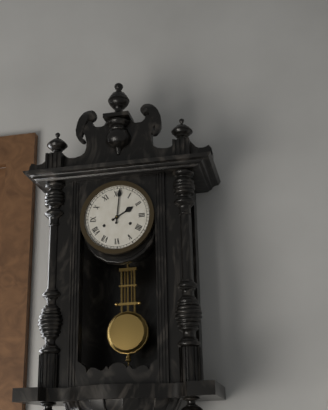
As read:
2,01
